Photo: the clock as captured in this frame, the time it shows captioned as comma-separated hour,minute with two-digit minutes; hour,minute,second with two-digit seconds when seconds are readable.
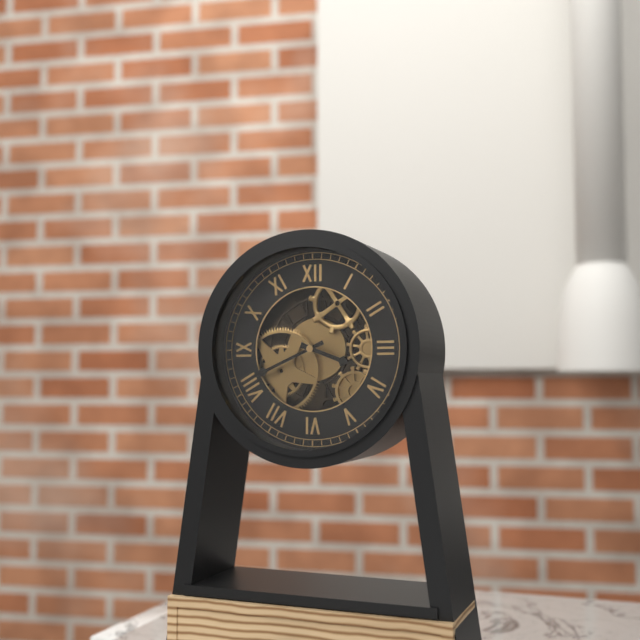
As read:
3,41
